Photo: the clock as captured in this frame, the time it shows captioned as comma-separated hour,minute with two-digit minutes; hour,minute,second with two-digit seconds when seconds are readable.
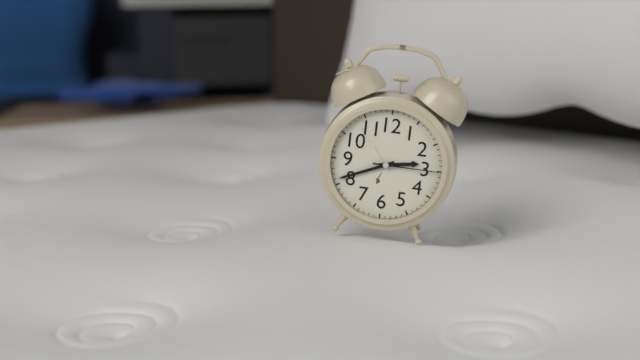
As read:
2,41,15
